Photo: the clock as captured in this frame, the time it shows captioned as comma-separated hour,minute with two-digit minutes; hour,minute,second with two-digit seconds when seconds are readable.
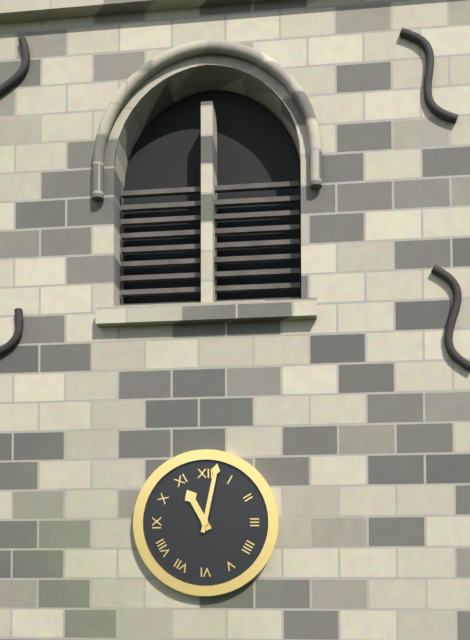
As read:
11,02
